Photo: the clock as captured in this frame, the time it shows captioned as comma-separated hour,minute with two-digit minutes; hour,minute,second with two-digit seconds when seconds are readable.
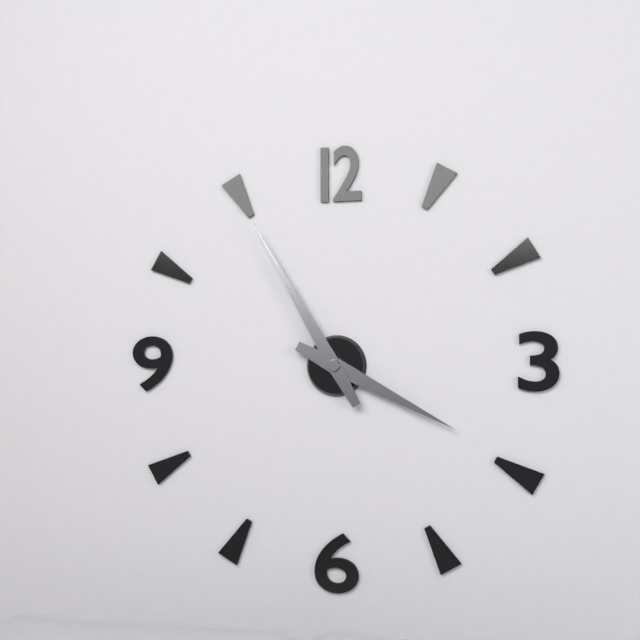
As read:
3,55
